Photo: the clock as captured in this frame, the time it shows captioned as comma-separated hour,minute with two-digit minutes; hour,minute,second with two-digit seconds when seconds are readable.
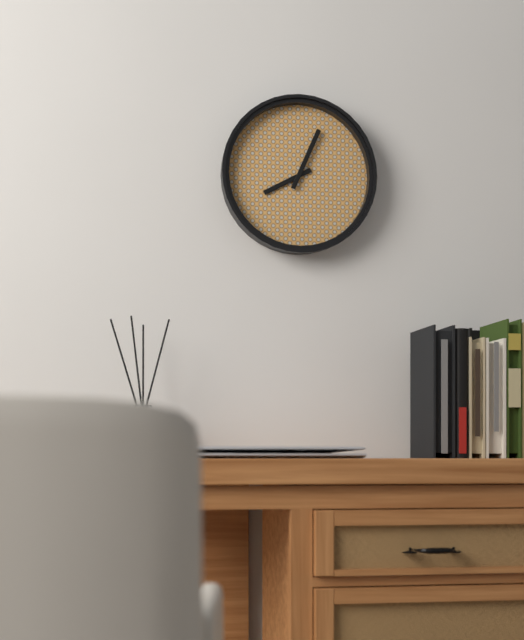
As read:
8,04
